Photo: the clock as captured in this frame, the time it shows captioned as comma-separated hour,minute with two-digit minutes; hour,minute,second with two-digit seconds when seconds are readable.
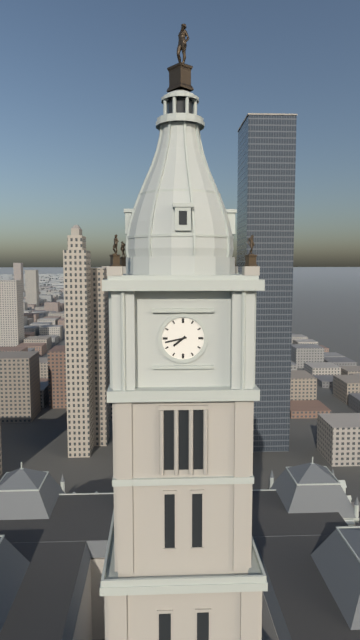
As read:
7,43
